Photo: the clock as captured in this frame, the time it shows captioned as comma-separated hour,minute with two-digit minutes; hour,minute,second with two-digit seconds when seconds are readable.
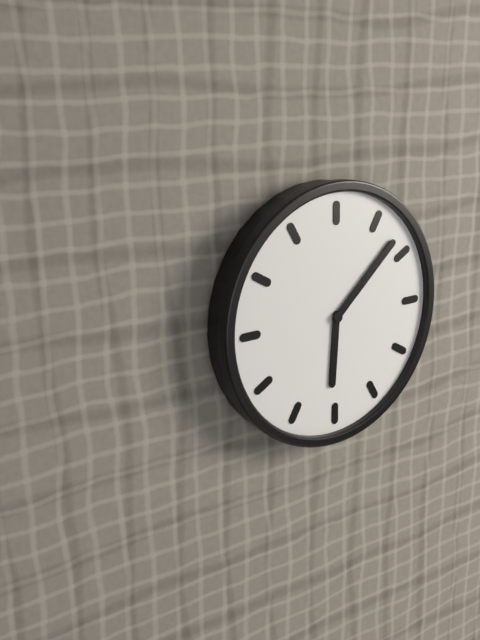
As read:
6,08
